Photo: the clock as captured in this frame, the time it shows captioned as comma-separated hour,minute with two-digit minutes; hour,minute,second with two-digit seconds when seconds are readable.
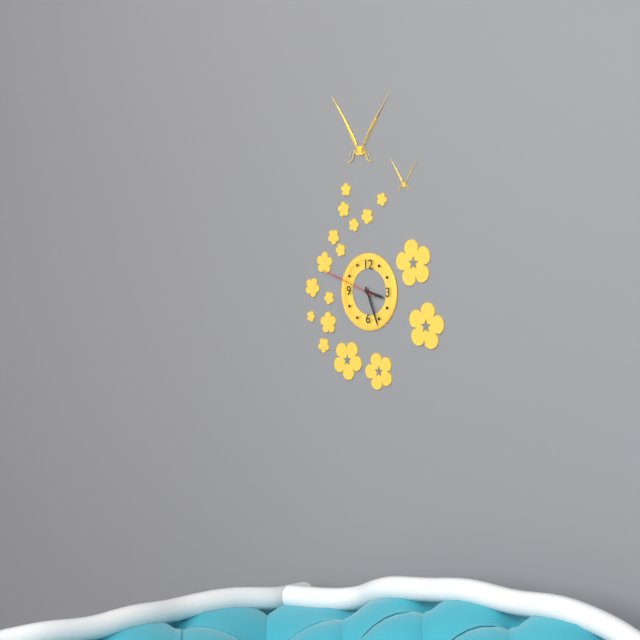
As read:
3,26,48
